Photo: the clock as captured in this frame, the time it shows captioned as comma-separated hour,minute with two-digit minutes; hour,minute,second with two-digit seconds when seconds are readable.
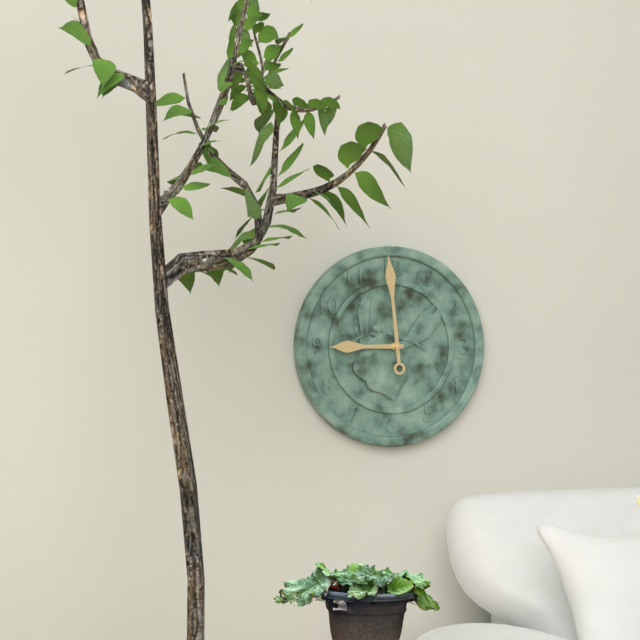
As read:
8,59
